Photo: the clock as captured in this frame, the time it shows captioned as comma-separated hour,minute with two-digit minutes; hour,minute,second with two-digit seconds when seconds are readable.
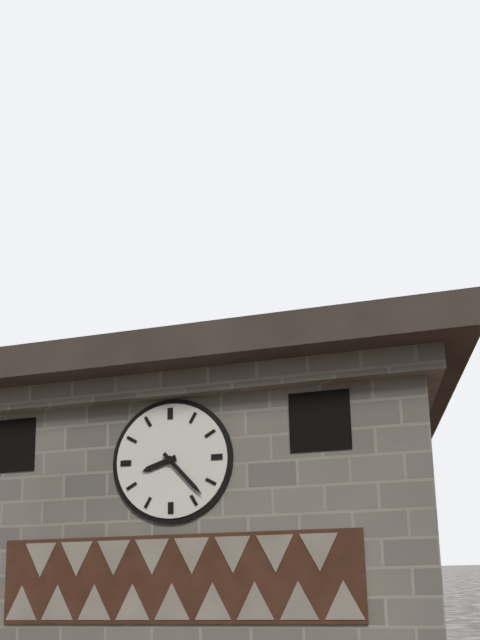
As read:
8,23
